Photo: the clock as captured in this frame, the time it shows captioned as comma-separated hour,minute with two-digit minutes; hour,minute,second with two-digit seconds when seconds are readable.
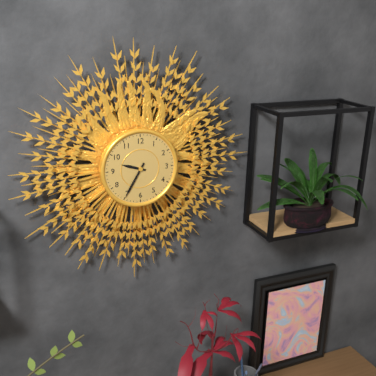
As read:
9,35
